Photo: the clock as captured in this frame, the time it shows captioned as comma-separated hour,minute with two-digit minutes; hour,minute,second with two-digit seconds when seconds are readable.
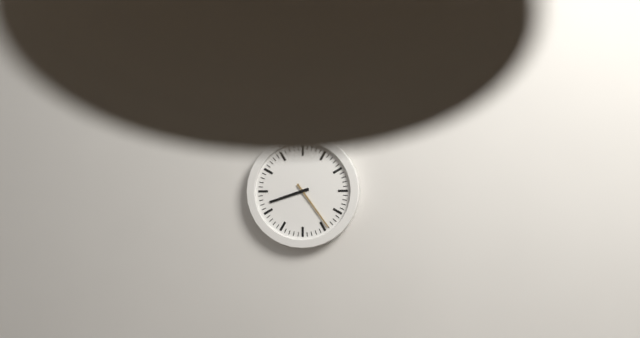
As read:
8,24
